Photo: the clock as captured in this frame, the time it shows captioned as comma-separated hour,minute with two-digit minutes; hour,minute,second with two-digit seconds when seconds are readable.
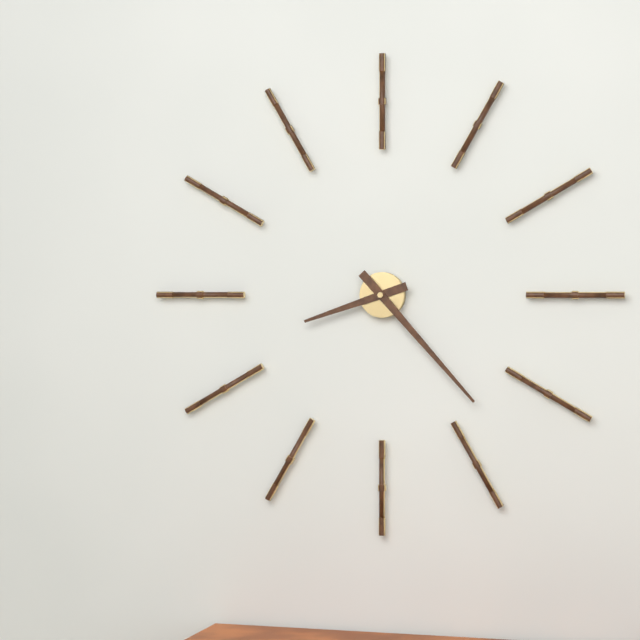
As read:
8,23
